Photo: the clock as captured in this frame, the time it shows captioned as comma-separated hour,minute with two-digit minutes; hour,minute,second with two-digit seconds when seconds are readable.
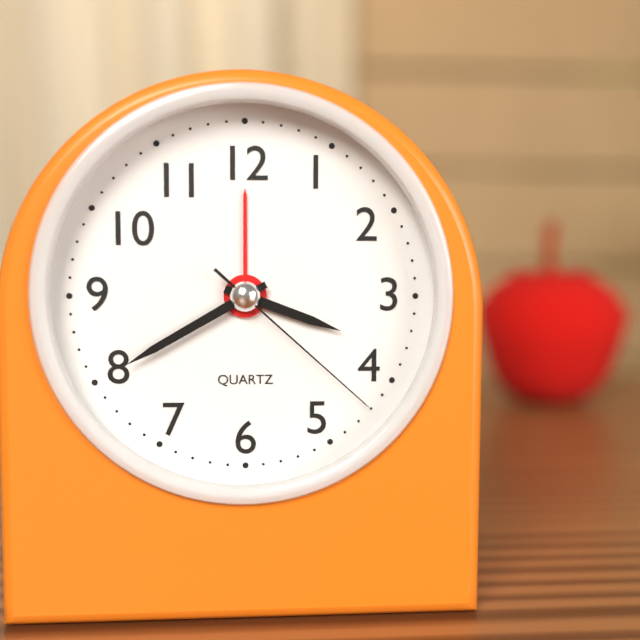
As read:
3,40,22
